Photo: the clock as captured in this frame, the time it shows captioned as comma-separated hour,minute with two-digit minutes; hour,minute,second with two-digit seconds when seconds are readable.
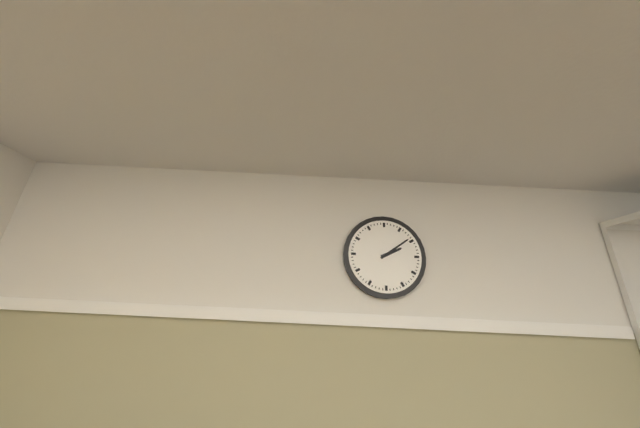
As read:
2,09
